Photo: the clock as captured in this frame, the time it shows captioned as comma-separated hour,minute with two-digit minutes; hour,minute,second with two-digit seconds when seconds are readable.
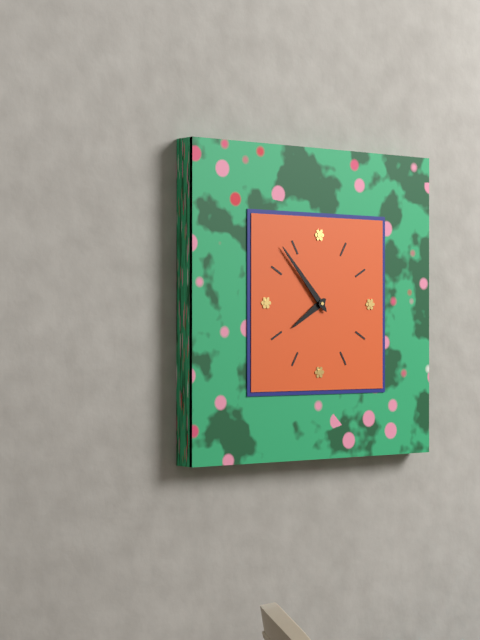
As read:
7,53
